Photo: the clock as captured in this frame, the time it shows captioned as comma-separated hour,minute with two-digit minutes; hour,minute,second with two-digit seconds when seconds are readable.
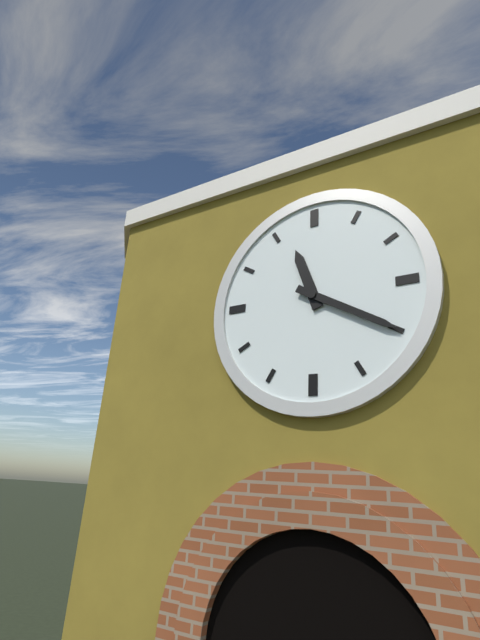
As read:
11,20
